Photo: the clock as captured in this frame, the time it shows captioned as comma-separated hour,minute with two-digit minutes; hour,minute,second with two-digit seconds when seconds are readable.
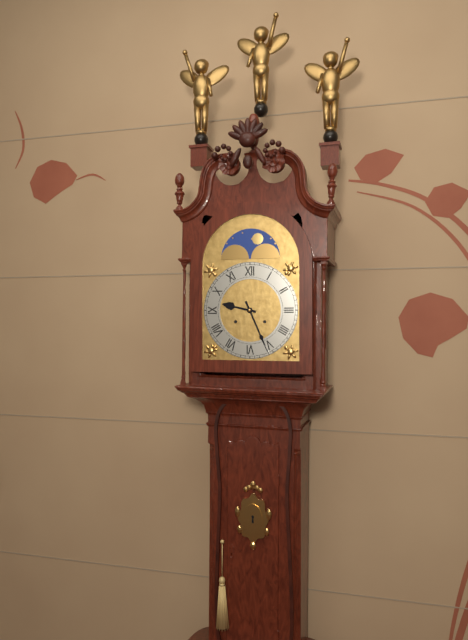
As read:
9,26
